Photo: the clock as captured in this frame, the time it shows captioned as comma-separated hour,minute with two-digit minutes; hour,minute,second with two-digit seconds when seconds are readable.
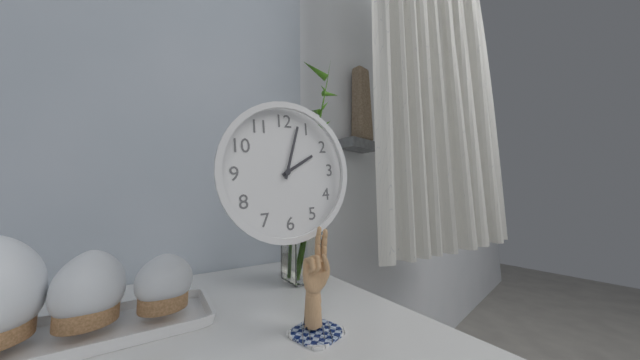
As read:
2,03
